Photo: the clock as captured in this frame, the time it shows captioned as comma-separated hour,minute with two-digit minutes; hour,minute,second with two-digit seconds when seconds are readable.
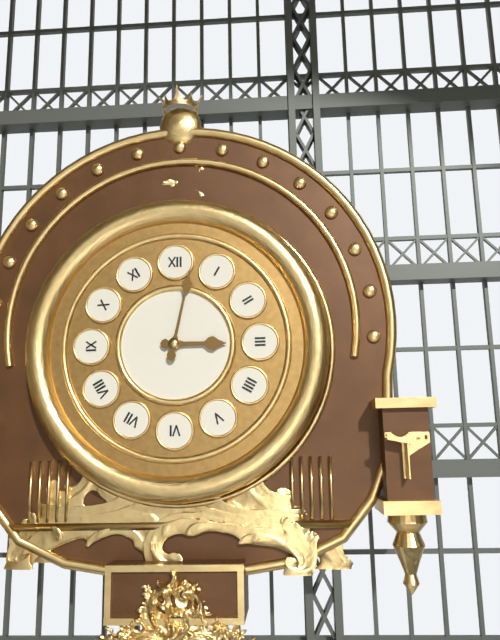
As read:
3,02
